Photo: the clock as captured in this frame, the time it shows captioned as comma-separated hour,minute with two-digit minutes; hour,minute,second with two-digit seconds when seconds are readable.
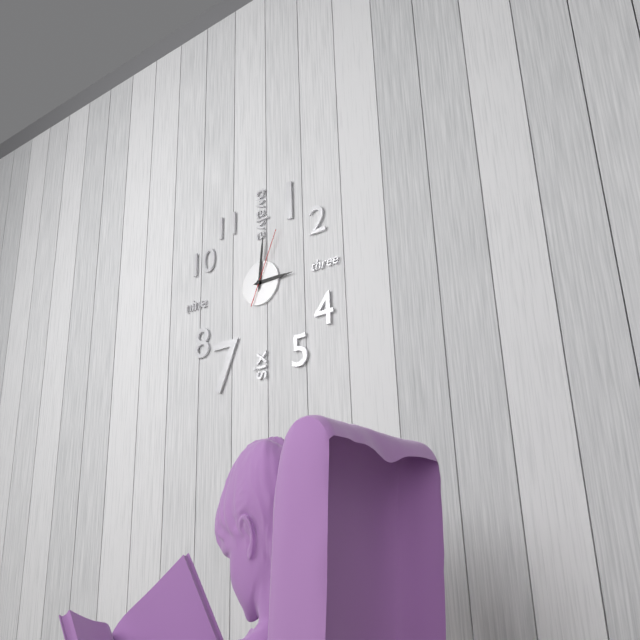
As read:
3,01,04
